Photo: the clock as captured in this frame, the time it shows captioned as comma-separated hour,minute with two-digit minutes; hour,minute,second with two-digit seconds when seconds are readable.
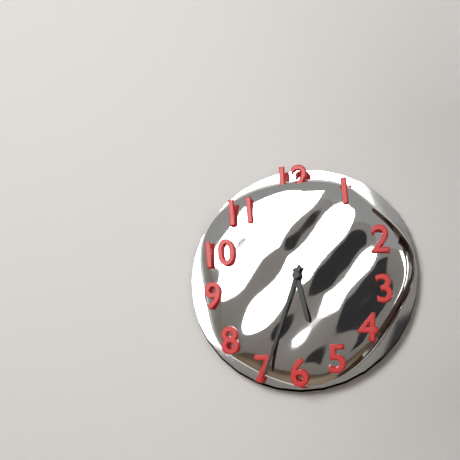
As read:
5,33
